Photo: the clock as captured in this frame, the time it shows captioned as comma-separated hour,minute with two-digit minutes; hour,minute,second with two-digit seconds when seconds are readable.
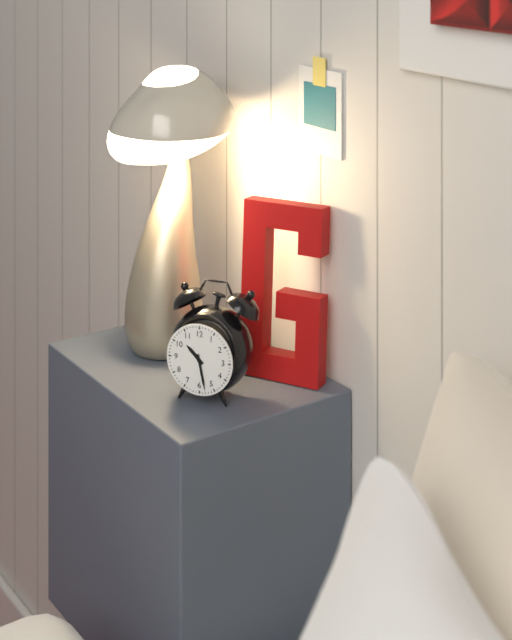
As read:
10,28
